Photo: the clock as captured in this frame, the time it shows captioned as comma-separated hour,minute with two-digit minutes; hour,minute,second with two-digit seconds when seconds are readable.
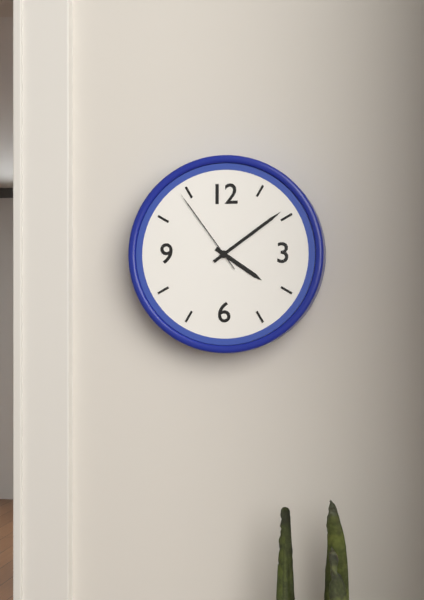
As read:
4,09,54
